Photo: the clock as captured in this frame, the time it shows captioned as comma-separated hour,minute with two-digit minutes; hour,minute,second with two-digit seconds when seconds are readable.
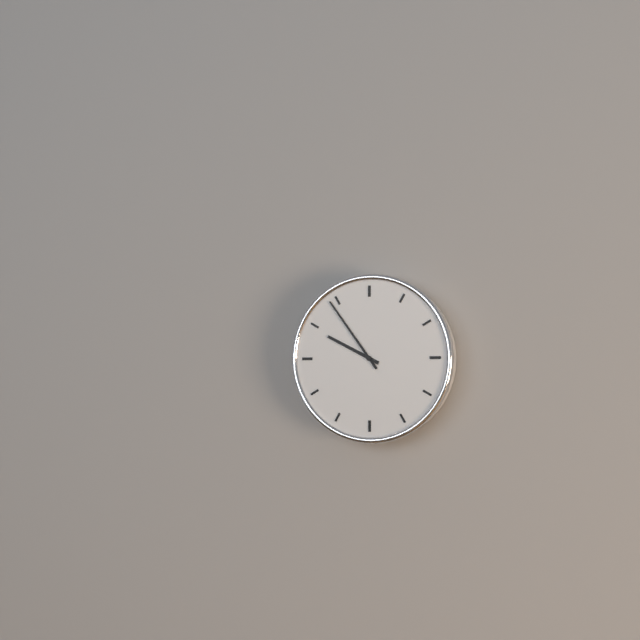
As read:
9,54
